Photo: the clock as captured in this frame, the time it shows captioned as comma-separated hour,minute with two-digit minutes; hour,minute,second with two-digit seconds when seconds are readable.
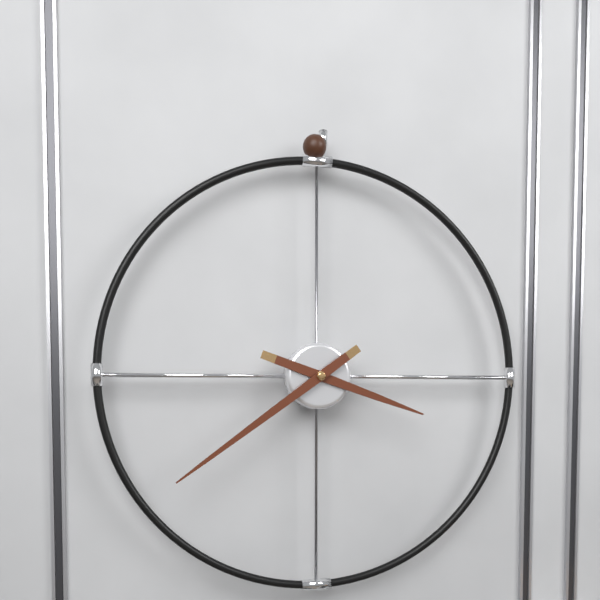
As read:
3,39
